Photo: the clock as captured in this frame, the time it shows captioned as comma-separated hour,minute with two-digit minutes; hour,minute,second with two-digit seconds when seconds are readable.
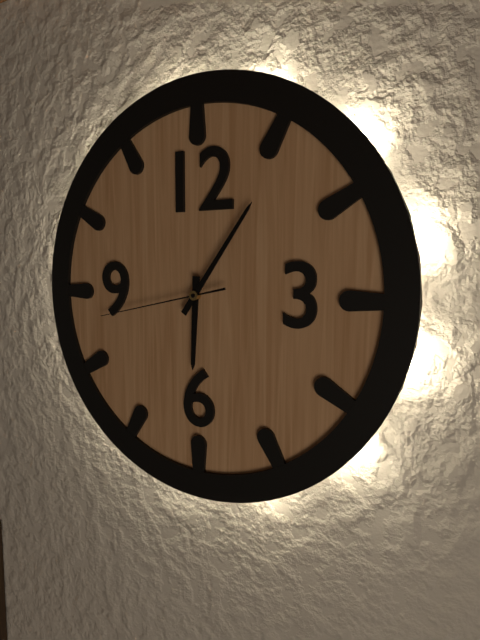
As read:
6,06,43
